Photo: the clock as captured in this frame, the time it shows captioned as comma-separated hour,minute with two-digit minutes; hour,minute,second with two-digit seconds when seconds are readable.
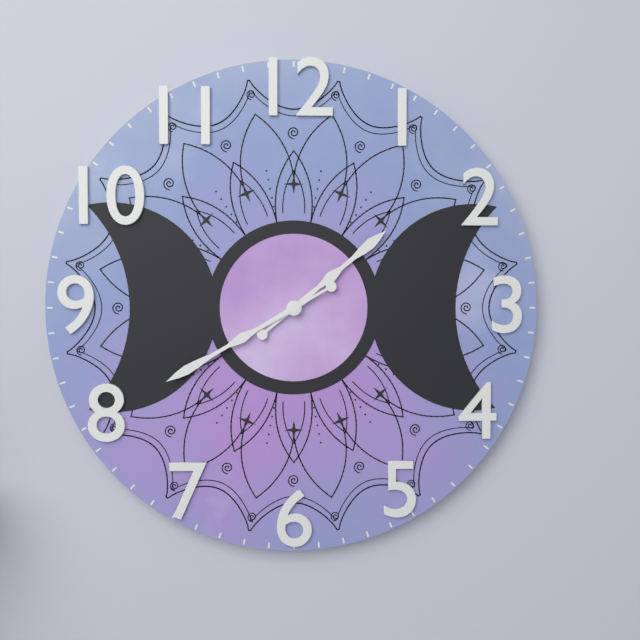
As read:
1,40
